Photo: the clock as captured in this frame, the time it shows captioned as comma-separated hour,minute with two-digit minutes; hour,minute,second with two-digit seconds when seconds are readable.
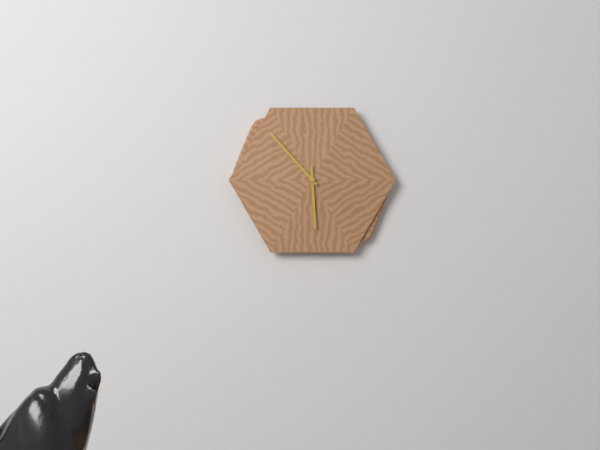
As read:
5,53
